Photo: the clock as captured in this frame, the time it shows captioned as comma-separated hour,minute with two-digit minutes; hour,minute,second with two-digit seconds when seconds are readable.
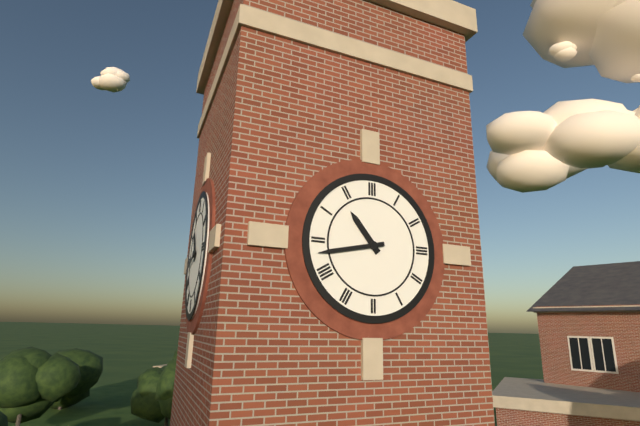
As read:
10,43
